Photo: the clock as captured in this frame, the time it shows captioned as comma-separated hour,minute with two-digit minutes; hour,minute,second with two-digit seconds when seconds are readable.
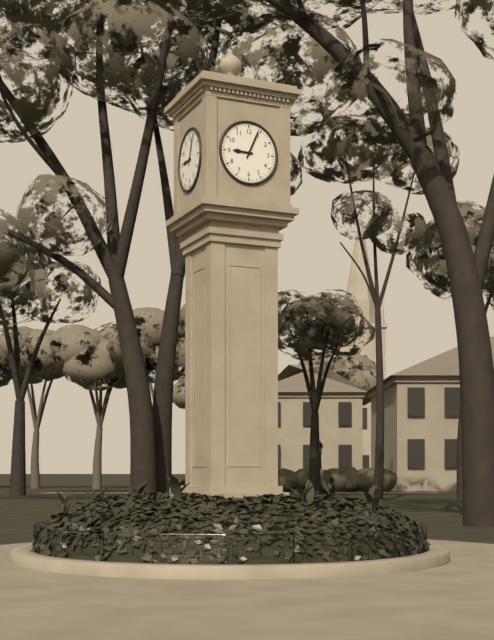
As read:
9,04
